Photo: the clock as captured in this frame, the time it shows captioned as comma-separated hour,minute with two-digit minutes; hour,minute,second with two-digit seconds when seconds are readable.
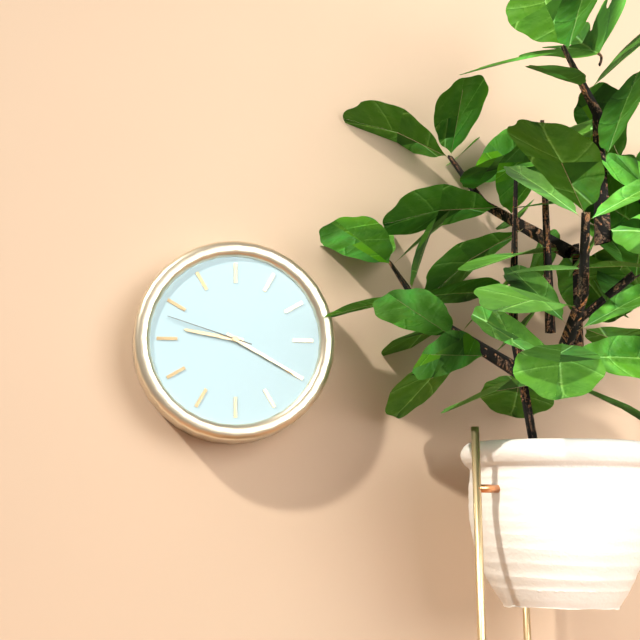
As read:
9,20,48
